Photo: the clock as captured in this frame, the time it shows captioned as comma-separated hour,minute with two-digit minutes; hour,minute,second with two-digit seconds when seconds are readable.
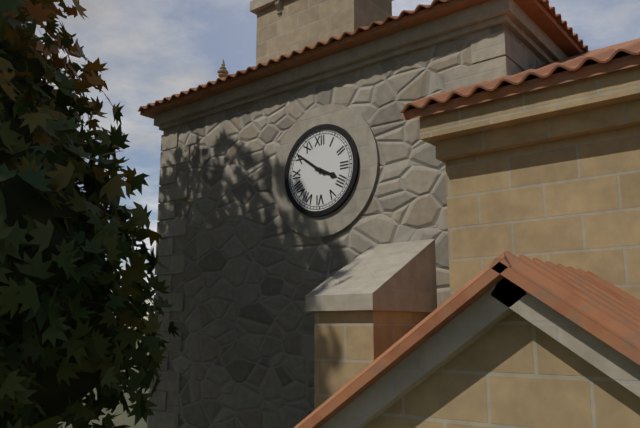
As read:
3,51
